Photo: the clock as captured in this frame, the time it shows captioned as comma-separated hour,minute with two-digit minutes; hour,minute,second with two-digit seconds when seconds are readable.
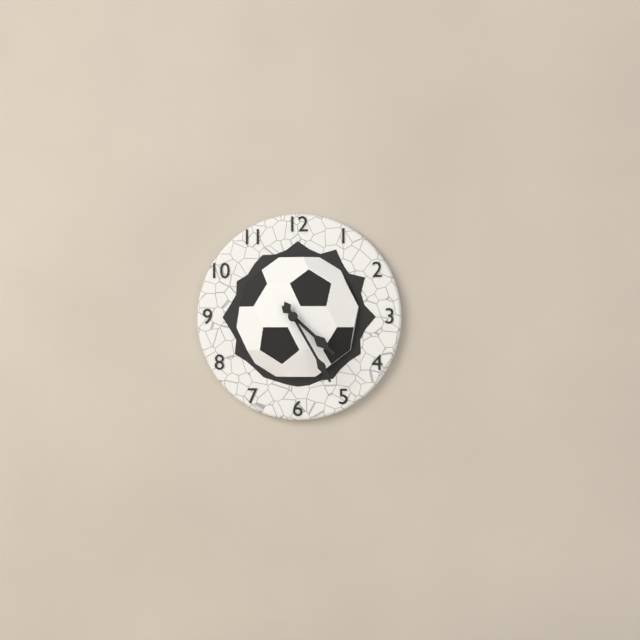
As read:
4,25
